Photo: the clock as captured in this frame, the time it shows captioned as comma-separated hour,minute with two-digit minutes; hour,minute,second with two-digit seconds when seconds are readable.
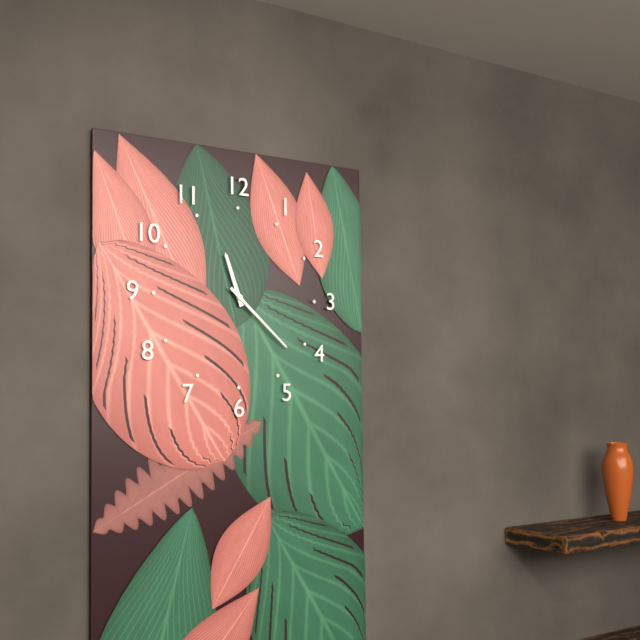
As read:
11,22
